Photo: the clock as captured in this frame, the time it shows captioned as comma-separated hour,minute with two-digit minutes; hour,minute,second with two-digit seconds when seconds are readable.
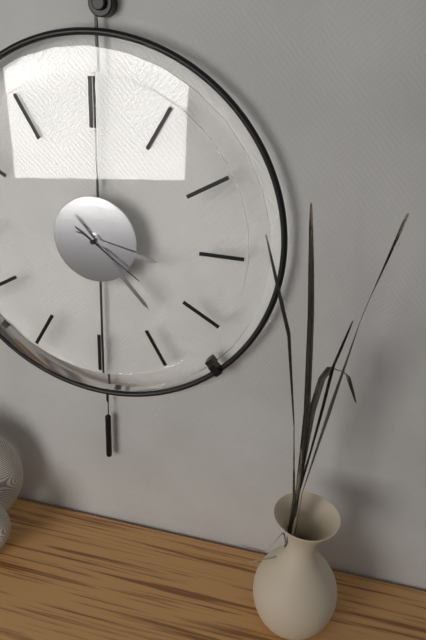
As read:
3,23,21
